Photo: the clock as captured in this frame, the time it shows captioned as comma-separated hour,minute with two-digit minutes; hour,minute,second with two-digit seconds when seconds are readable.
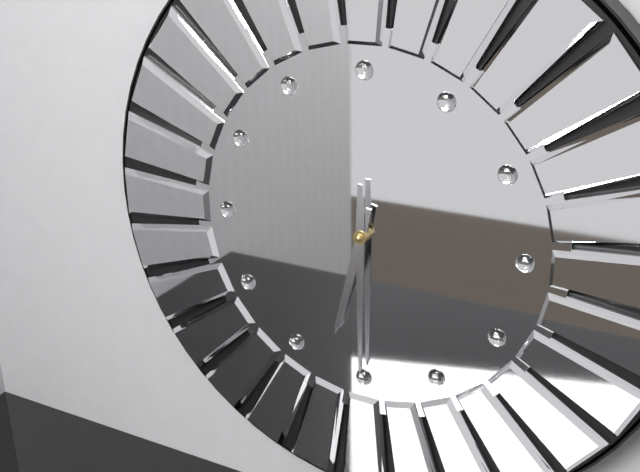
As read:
6,30
